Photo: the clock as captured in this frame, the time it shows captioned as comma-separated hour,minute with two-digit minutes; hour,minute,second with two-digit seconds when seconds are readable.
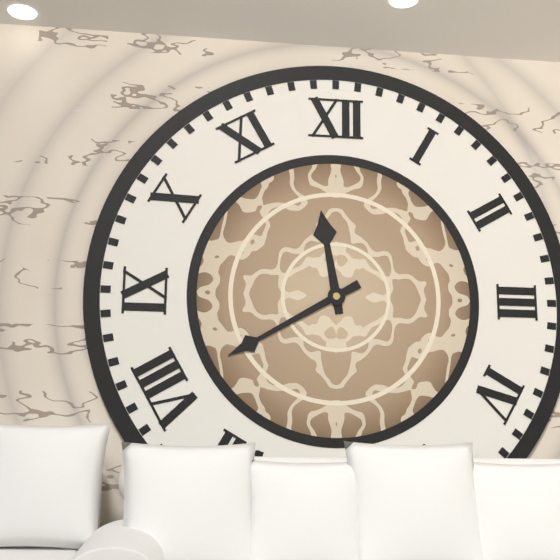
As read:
11,40
